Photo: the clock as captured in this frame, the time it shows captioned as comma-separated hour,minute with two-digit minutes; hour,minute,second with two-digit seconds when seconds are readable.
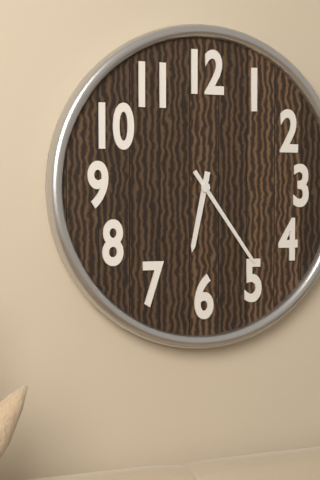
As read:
6,24
